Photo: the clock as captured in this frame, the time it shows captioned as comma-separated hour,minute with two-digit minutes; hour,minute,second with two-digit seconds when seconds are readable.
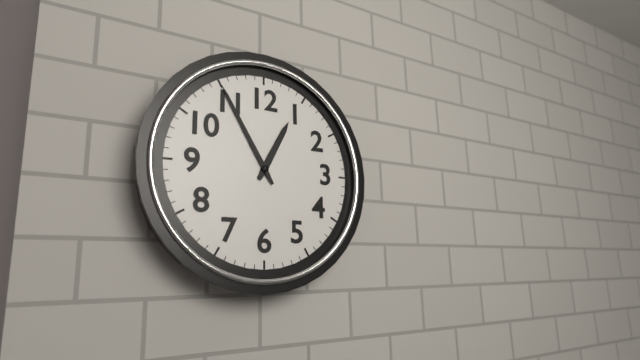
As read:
12,55
